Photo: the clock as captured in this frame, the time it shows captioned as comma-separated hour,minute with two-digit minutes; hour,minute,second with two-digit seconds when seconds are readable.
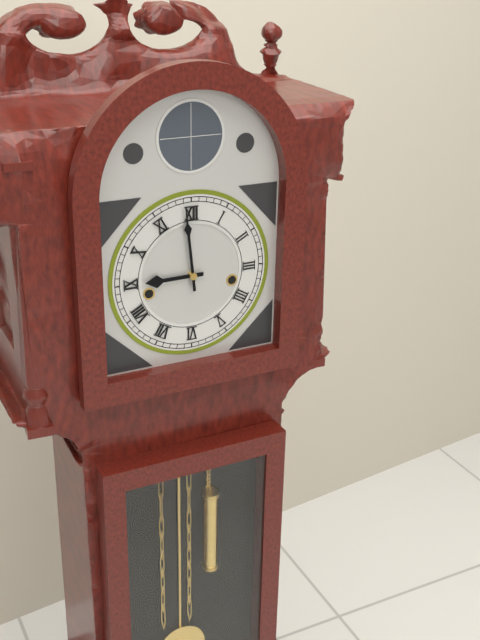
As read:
8,59
